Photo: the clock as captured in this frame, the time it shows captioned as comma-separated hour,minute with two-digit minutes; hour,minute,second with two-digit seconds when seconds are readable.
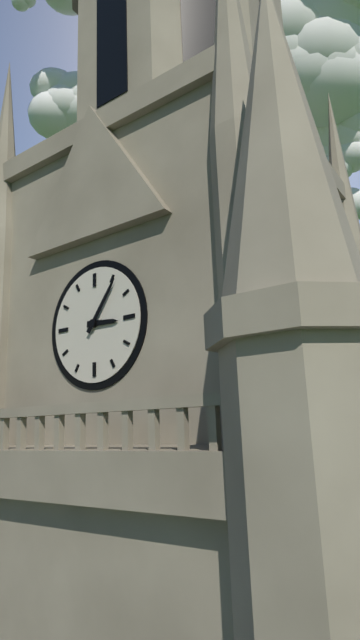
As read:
3,06
